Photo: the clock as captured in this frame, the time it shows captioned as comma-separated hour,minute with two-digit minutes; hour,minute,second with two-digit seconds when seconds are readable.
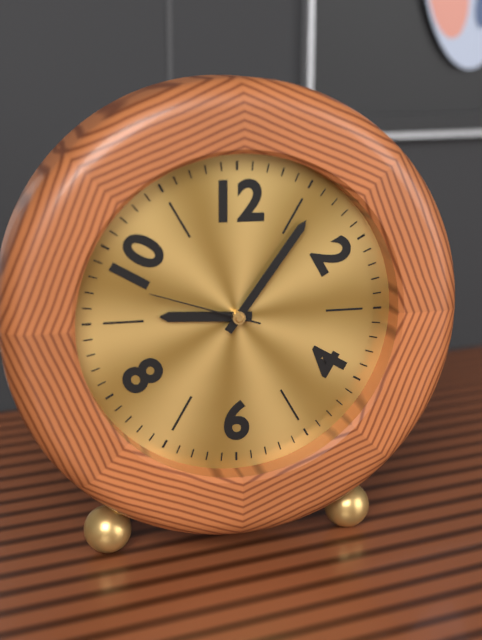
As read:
9,06,48
